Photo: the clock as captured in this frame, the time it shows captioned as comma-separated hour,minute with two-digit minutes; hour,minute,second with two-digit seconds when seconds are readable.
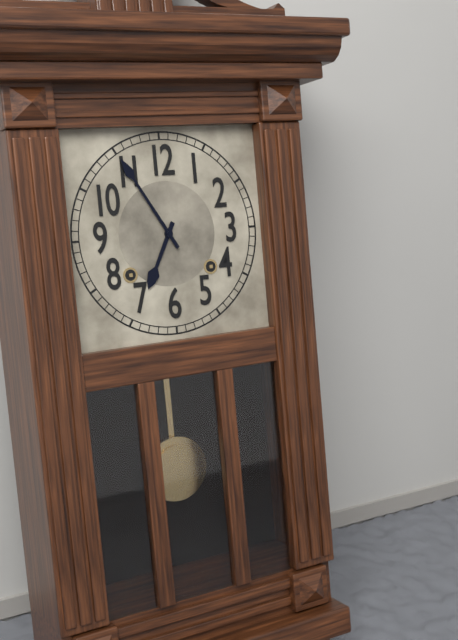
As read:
6,55
